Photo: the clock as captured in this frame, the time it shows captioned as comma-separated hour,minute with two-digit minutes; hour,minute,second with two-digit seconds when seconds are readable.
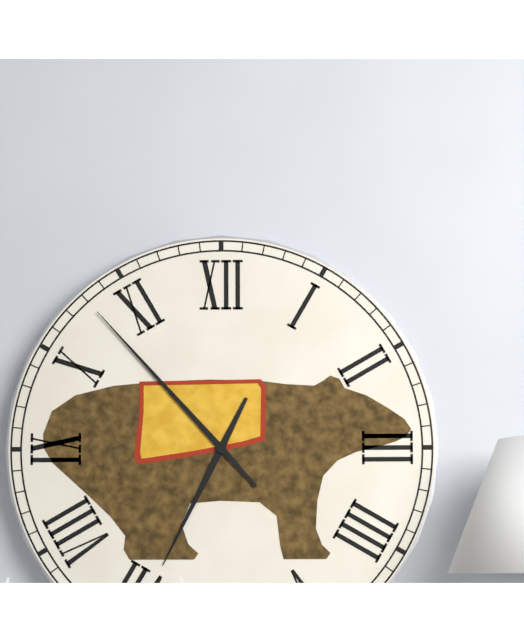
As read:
6,53
